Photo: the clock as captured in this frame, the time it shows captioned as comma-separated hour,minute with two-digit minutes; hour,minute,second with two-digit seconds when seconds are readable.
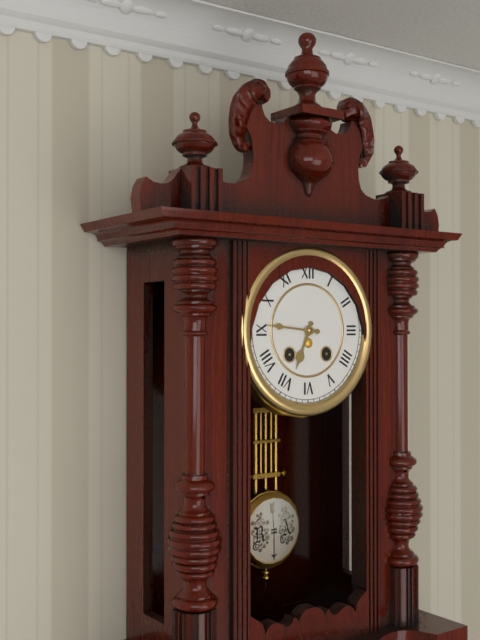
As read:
6,46
